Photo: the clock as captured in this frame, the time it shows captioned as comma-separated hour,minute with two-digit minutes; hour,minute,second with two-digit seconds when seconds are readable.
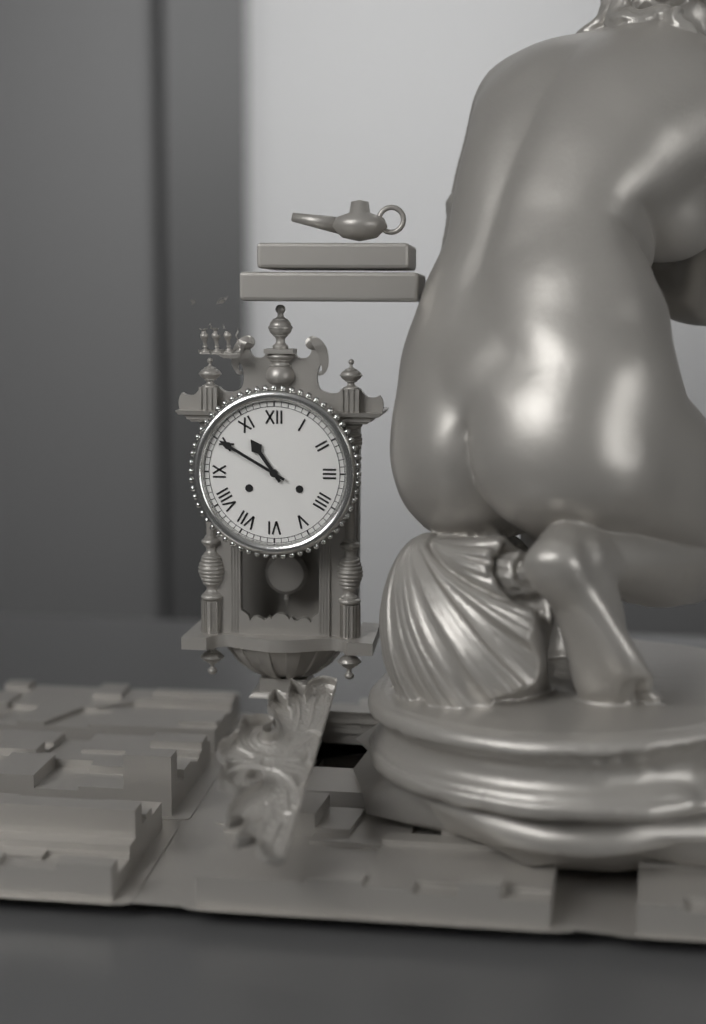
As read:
10,50
